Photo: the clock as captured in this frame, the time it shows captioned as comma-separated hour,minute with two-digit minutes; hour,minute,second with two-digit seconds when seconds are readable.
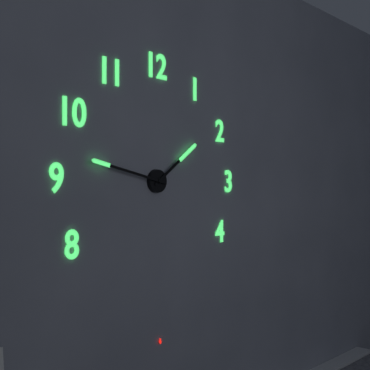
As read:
1,47
